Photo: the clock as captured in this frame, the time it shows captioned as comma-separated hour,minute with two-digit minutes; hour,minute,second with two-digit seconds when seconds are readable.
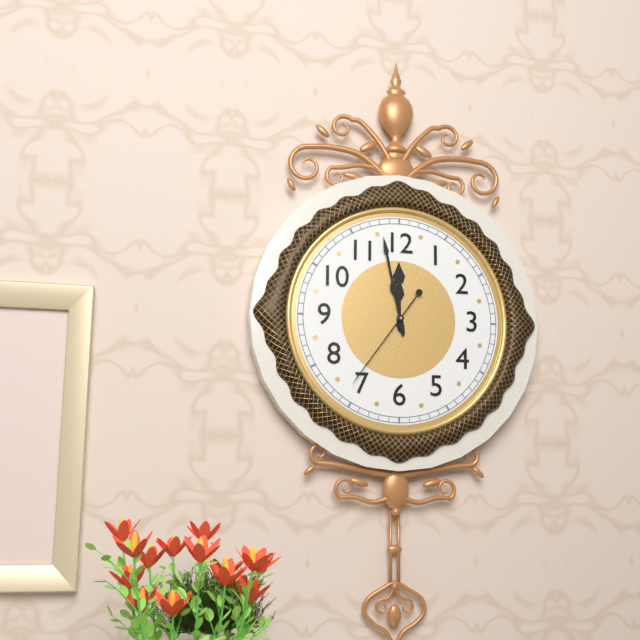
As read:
11,58,36
